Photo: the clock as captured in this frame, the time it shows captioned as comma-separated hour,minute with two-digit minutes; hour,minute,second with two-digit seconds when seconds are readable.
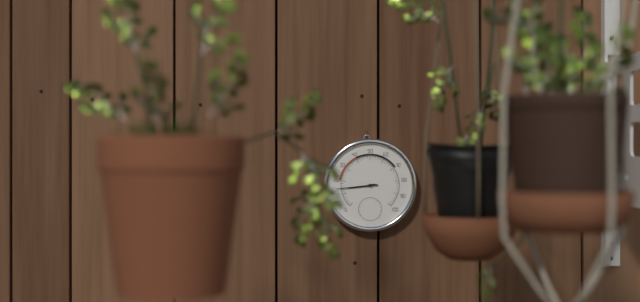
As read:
8,44
